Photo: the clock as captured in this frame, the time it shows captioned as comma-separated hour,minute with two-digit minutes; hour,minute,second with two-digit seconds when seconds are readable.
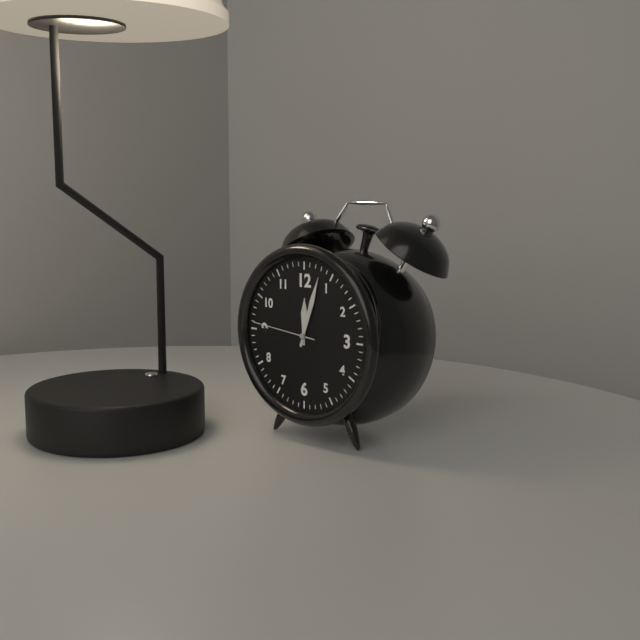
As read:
12,03,46
